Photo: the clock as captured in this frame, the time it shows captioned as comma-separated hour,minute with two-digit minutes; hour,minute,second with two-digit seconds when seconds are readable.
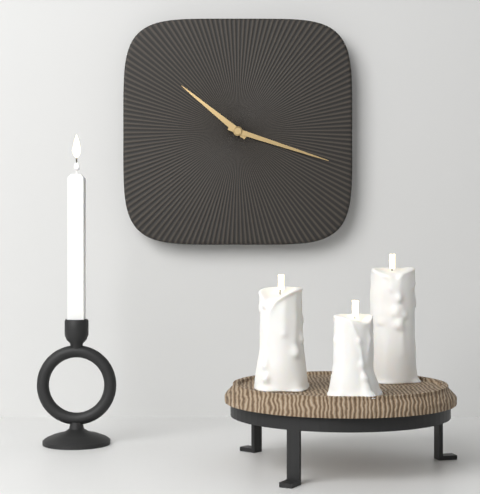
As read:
10,18
